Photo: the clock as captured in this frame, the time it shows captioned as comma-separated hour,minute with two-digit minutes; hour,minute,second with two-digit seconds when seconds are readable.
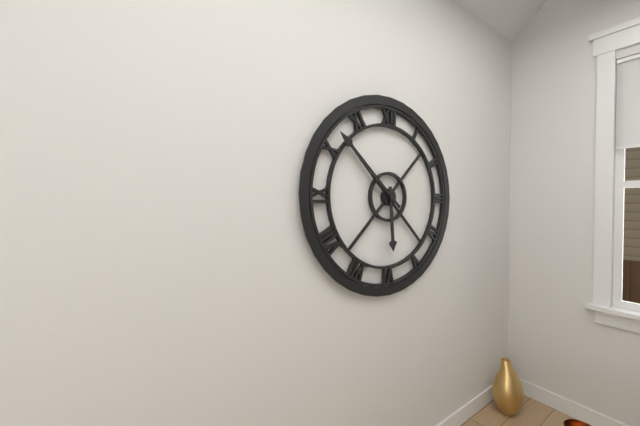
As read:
5,52
